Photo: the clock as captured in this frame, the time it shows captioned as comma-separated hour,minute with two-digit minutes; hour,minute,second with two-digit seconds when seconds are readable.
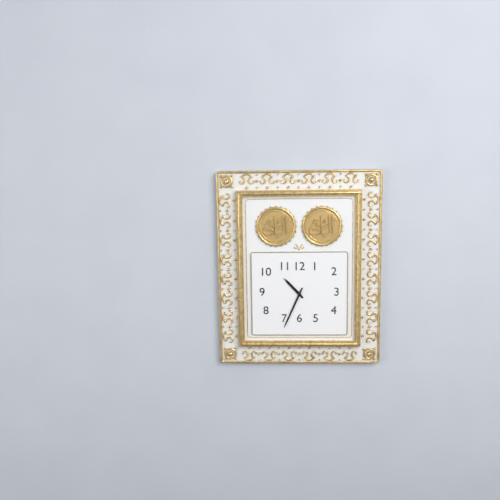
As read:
10,34
